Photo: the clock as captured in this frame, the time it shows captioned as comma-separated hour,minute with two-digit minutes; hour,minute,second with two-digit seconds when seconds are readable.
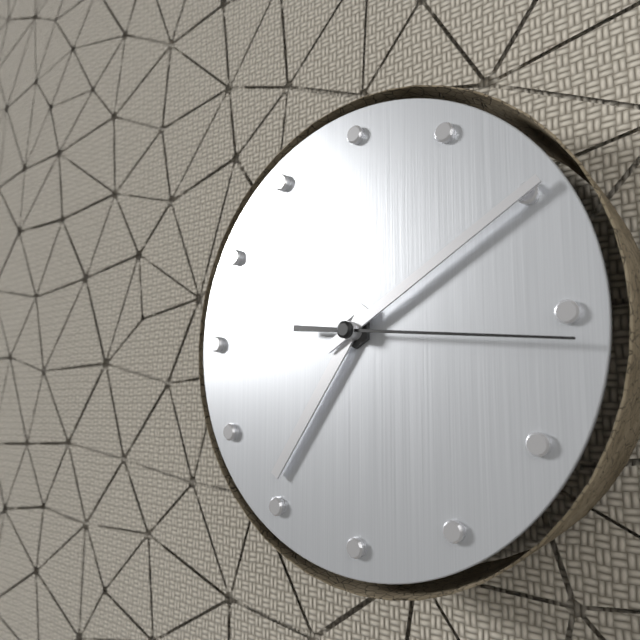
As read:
7,10,16
